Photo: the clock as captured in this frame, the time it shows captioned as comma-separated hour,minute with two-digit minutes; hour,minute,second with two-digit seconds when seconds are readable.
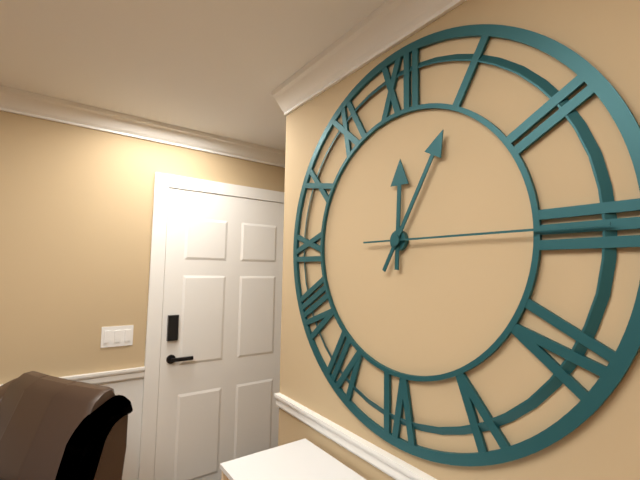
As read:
12,05,15
